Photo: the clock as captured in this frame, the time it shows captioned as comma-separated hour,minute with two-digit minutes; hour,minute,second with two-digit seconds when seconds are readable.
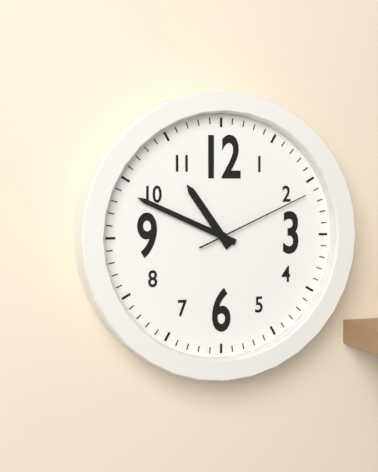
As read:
10,49,11
